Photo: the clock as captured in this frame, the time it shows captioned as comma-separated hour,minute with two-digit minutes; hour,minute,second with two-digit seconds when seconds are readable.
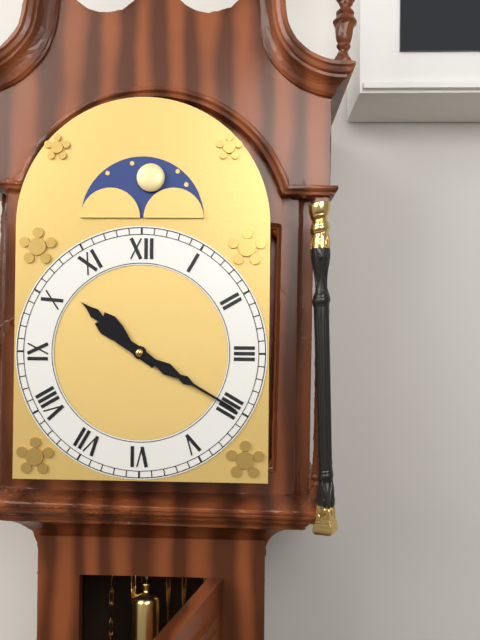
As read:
10,20
